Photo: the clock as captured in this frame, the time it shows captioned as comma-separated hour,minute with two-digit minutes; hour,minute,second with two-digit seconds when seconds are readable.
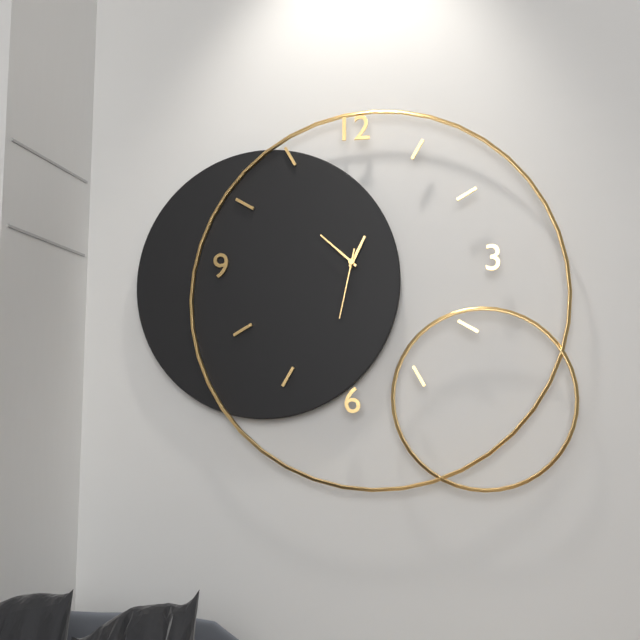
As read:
12,52,32
